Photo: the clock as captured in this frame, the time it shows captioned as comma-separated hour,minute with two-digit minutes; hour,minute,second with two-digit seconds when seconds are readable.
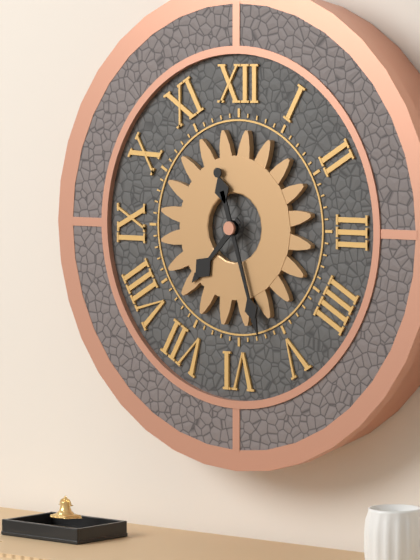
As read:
7,27
